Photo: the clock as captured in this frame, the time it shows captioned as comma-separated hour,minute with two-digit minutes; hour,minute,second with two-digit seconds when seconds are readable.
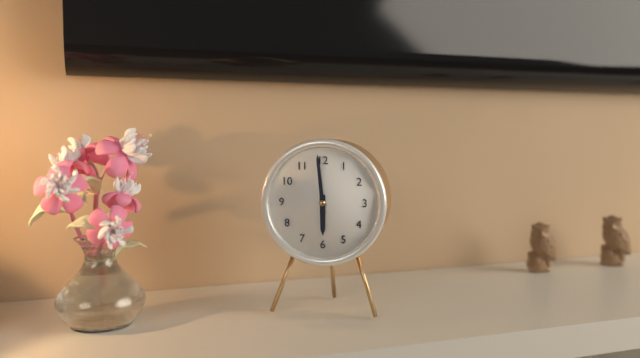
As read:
5,59
